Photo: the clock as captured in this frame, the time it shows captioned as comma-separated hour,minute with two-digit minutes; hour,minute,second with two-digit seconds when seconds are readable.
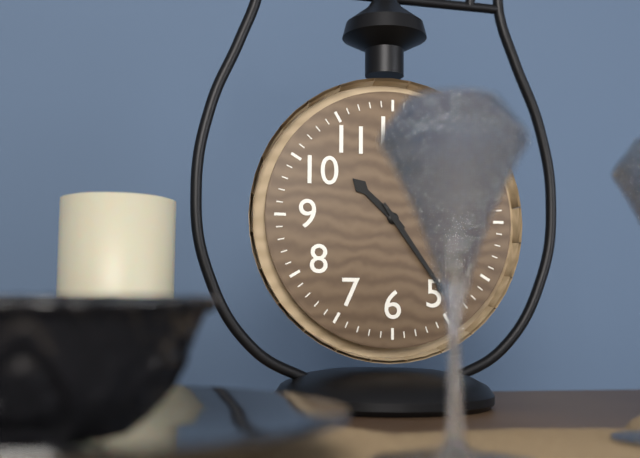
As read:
10,24
